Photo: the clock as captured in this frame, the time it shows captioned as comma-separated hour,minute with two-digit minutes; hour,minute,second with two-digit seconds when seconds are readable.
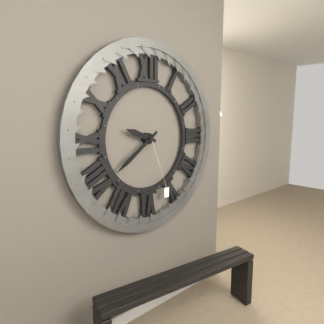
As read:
9,39
